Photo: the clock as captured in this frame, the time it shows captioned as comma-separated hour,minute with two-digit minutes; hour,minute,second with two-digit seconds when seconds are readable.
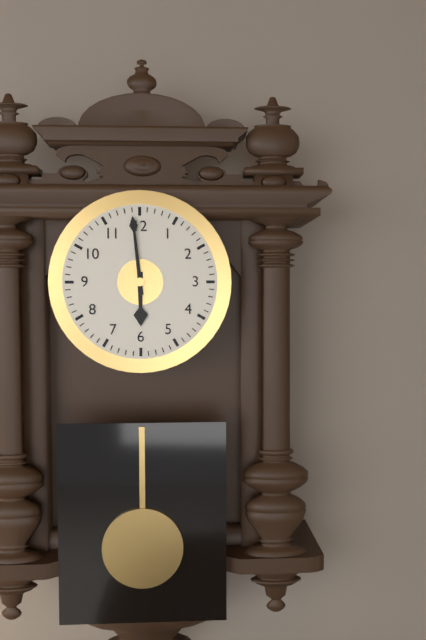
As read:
5,59
